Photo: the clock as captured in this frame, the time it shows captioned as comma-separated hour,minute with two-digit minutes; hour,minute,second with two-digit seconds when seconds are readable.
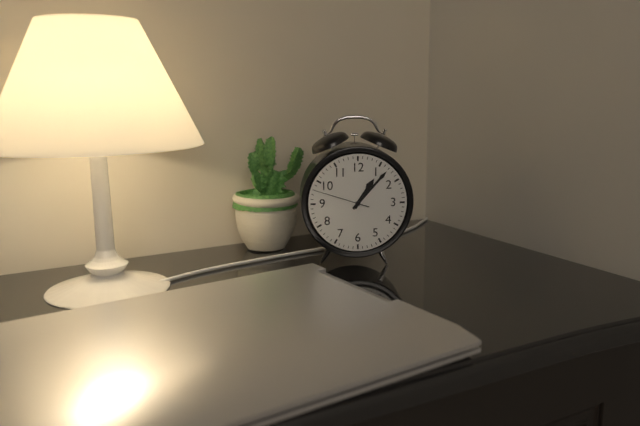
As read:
1,07,48
